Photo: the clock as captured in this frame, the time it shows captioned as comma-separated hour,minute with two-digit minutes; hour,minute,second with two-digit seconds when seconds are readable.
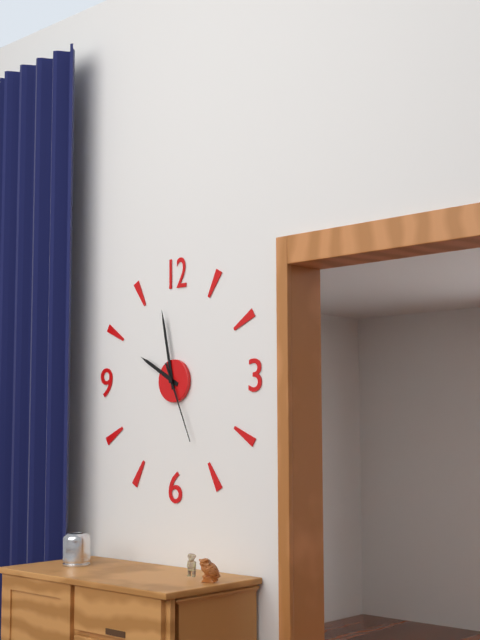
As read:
9,58,26
